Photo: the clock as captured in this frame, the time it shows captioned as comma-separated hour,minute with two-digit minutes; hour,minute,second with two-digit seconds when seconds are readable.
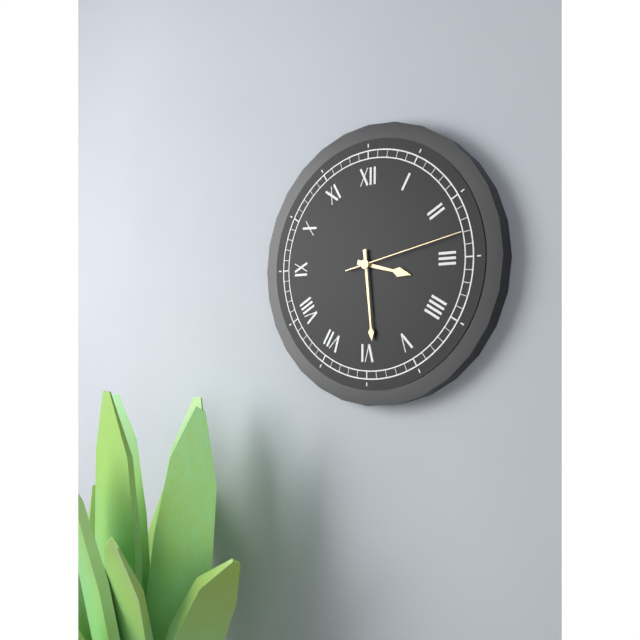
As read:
3,29,13
